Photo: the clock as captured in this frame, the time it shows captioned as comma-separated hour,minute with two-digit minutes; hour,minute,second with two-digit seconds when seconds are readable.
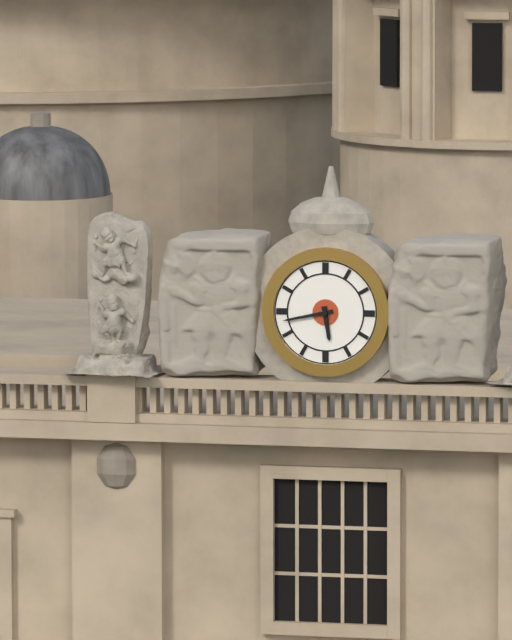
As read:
5,43
